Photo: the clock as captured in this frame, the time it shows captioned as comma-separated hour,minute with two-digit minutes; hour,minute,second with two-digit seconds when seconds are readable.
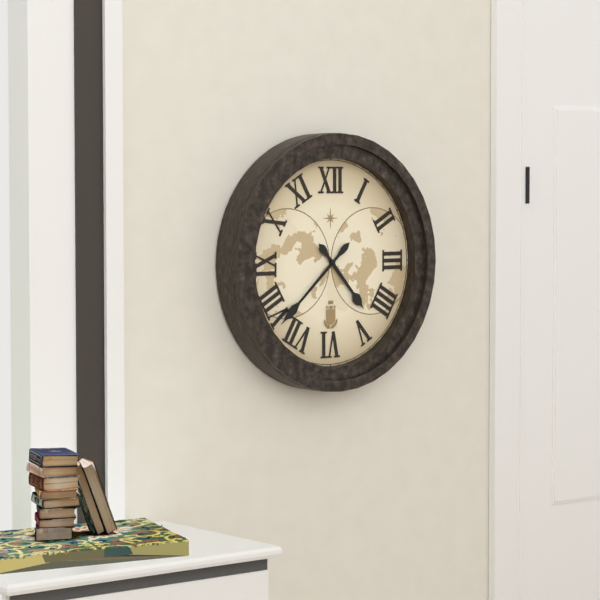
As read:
4,38
